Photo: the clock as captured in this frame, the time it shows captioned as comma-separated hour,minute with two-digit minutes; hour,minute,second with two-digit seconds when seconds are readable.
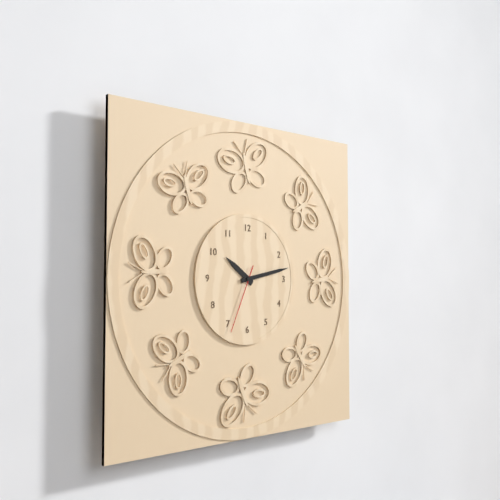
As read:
10,13,34
